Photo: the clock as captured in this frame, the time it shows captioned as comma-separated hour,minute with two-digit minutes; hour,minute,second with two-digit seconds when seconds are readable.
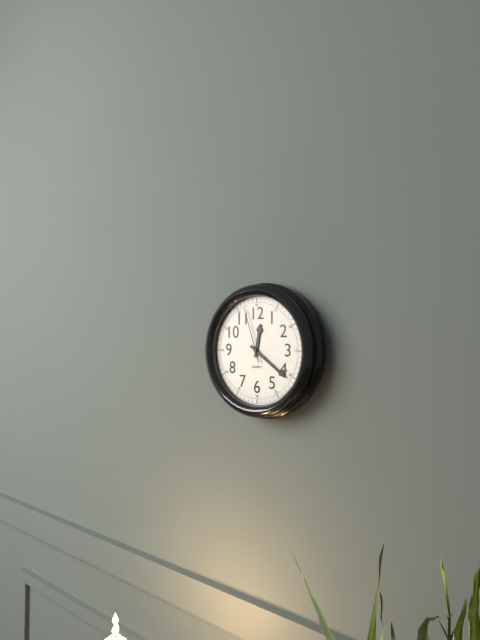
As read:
12,21,57
